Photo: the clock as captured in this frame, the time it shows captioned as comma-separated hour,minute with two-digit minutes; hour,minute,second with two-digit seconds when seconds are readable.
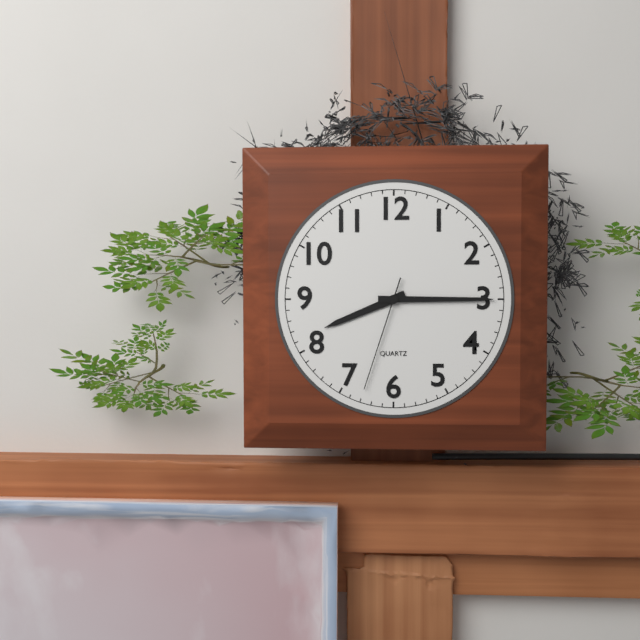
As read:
8,15,33
